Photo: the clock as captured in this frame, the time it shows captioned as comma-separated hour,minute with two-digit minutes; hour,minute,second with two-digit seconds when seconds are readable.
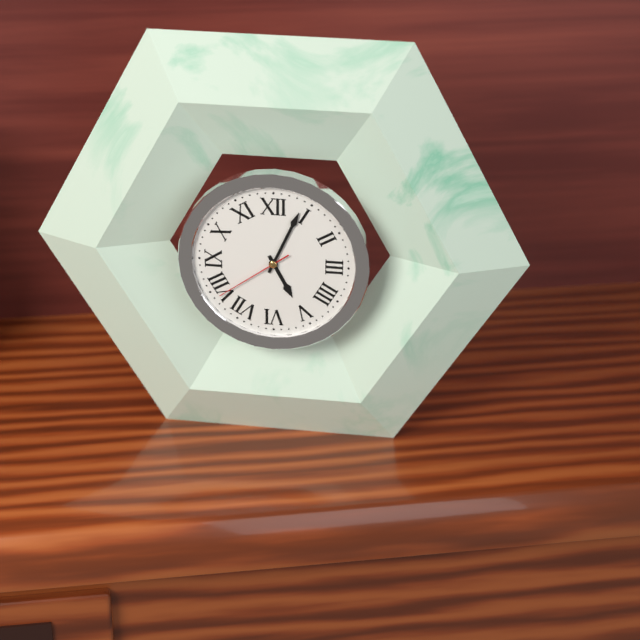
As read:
5,04,39
